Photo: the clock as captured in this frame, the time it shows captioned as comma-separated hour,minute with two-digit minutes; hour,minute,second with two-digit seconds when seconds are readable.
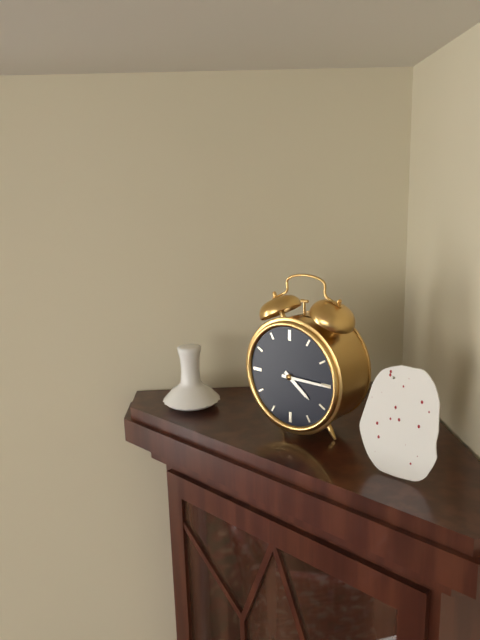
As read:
4,15
